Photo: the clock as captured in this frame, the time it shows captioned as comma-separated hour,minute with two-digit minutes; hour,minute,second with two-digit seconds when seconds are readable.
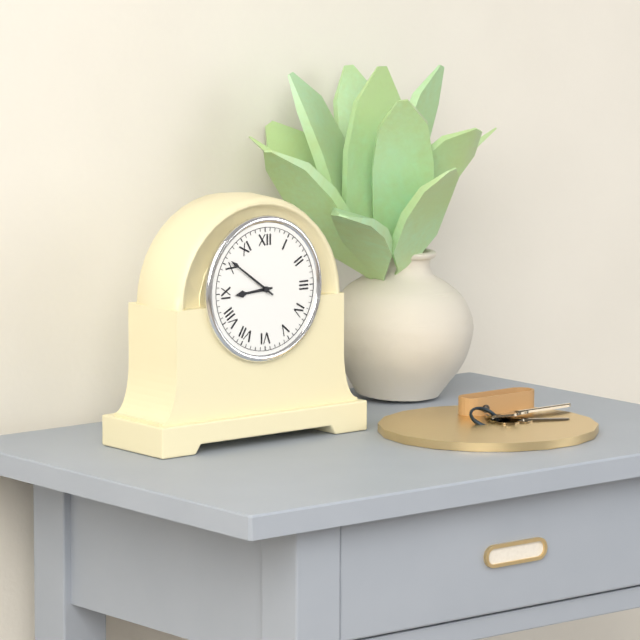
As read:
8,51
